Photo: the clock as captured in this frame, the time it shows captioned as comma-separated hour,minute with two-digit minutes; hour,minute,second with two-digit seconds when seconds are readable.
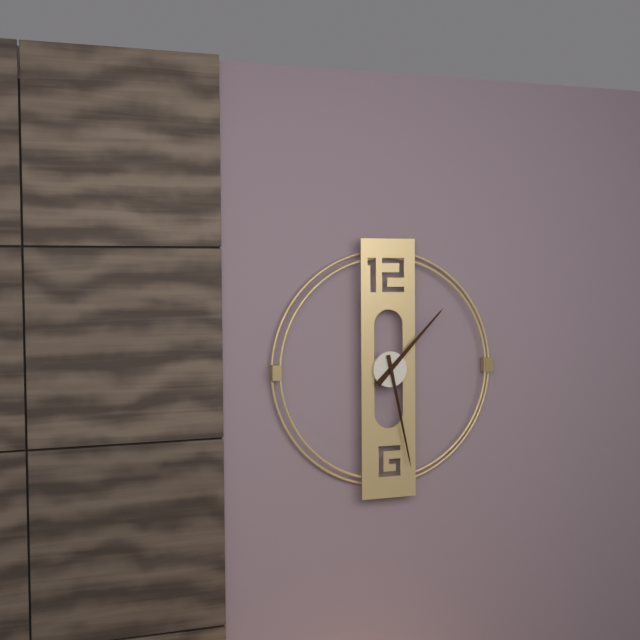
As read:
1,28
